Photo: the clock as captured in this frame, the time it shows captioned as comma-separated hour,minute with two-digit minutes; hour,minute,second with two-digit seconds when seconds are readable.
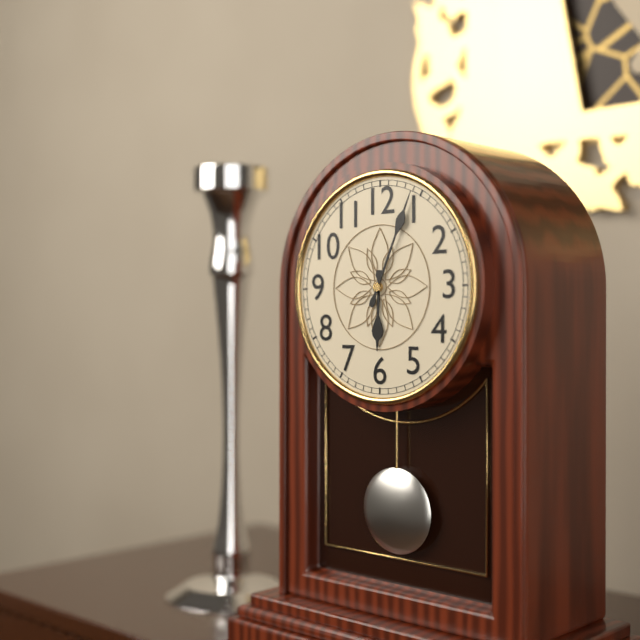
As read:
6,04
